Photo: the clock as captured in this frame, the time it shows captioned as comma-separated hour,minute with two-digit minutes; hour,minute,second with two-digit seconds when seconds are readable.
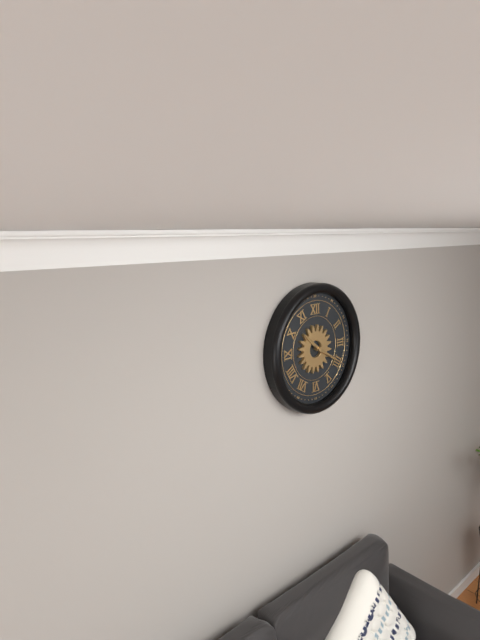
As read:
10,20
